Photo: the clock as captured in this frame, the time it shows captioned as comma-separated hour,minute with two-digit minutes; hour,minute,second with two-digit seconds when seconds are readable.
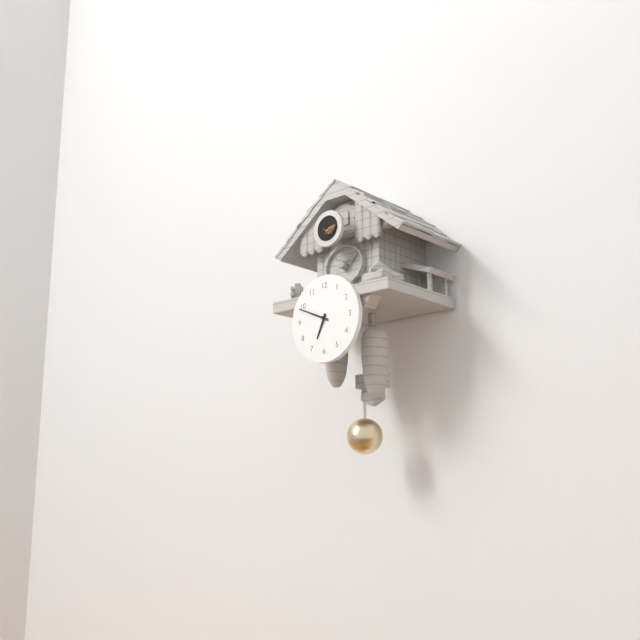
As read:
6,49
